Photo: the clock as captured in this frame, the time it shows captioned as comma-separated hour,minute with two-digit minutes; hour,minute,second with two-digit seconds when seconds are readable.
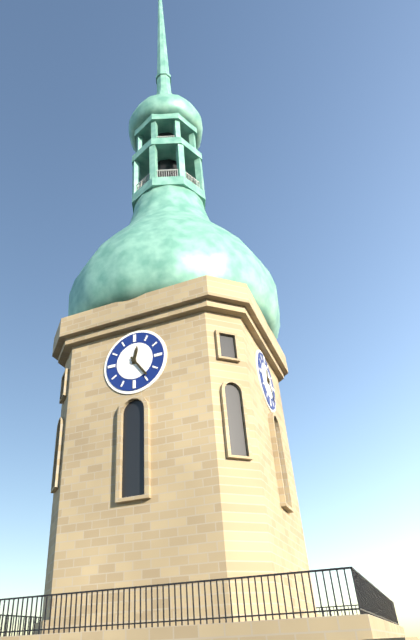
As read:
12,24
